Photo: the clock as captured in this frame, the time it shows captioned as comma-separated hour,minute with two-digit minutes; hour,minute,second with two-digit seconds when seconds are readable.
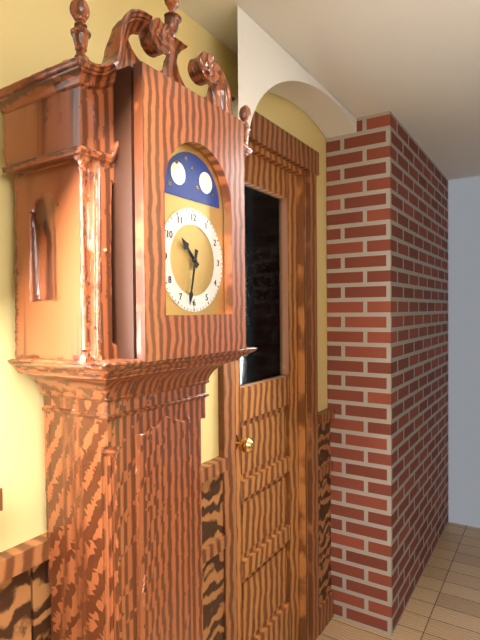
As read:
10,32
